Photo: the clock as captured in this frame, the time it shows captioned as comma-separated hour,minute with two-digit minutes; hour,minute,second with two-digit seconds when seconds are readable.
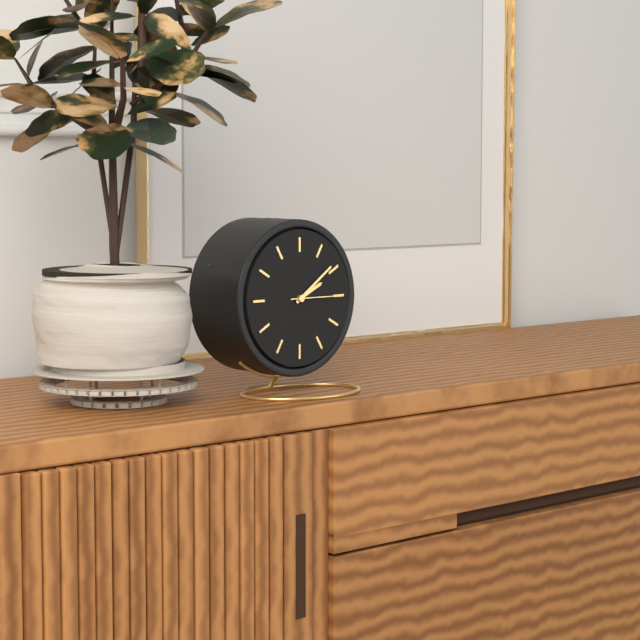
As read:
2,09,15
